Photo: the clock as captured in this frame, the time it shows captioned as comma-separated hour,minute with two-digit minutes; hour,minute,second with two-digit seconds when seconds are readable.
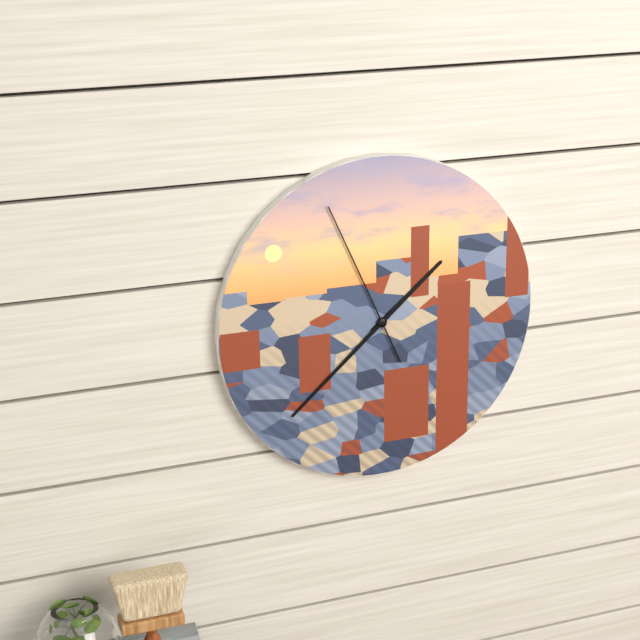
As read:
1,38,56
